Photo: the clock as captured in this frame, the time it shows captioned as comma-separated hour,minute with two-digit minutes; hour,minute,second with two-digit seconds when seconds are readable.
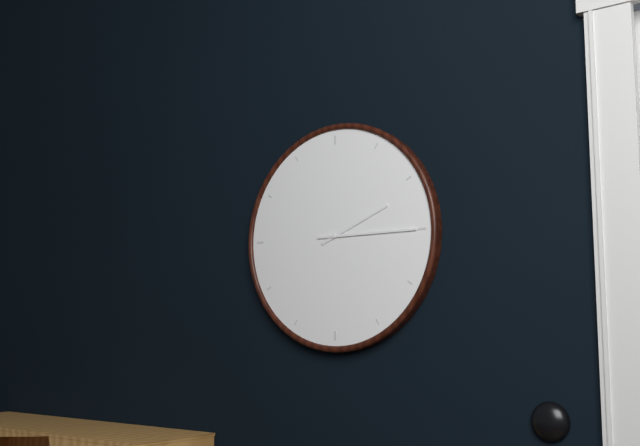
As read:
2,15
